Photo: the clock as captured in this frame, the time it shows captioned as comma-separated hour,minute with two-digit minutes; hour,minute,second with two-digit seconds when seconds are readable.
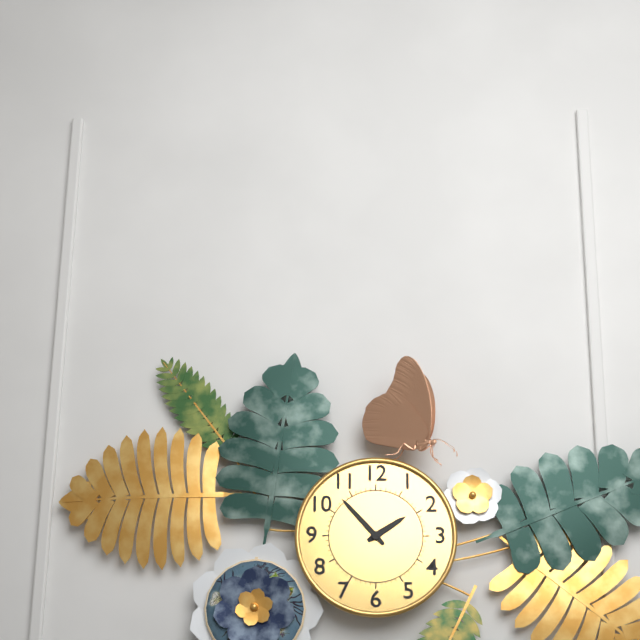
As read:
1,53
